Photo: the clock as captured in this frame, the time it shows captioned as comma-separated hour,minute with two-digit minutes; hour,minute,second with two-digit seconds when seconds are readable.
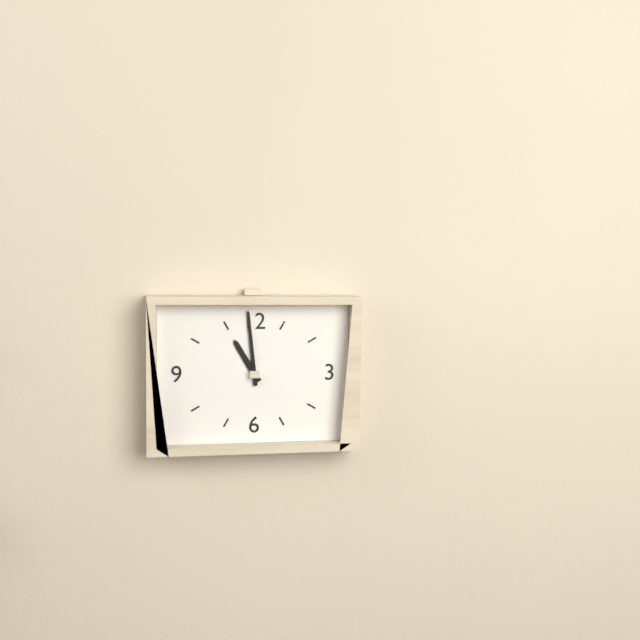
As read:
10,59
